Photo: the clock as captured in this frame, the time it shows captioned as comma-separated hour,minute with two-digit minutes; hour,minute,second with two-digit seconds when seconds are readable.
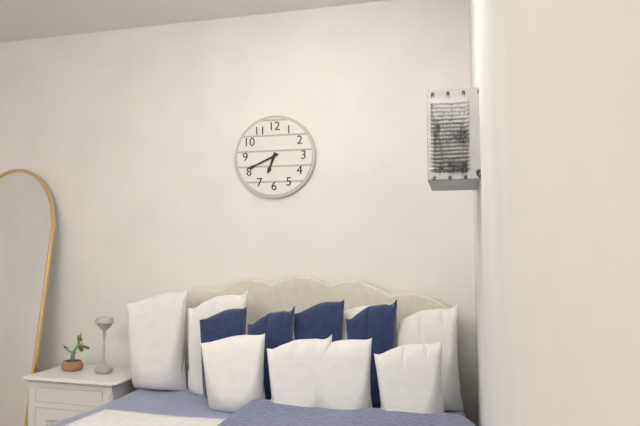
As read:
6,41
